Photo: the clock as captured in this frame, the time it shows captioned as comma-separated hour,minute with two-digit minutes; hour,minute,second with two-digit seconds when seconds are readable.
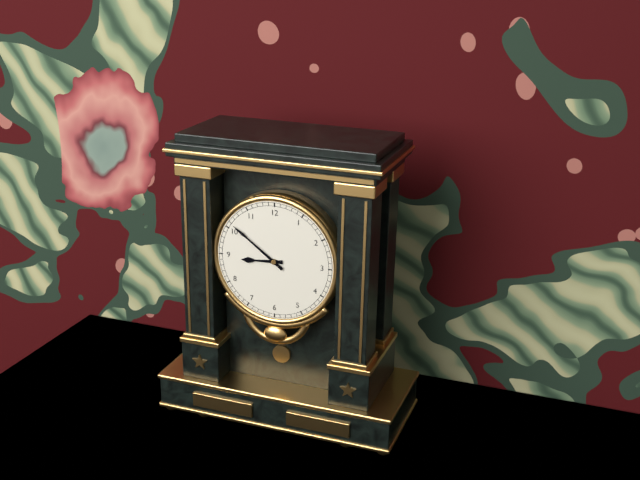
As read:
8,51
